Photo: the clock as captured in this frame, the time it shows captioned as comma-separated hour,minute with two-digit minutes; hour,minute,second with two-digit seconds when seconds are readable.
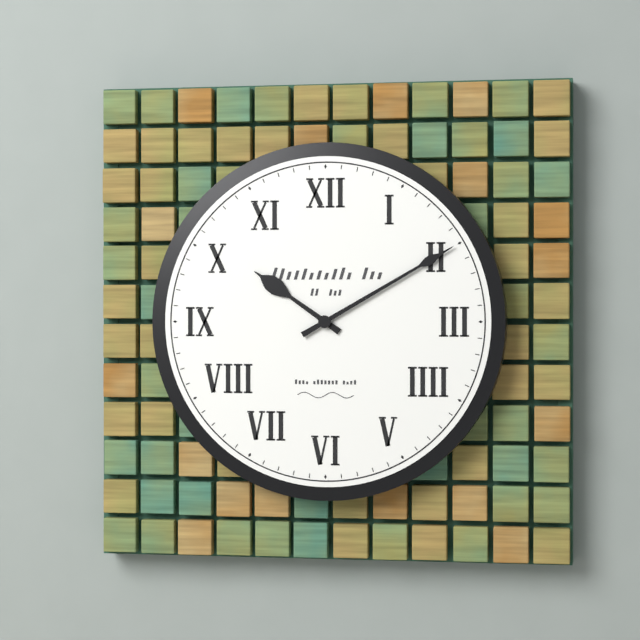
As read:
10,10
